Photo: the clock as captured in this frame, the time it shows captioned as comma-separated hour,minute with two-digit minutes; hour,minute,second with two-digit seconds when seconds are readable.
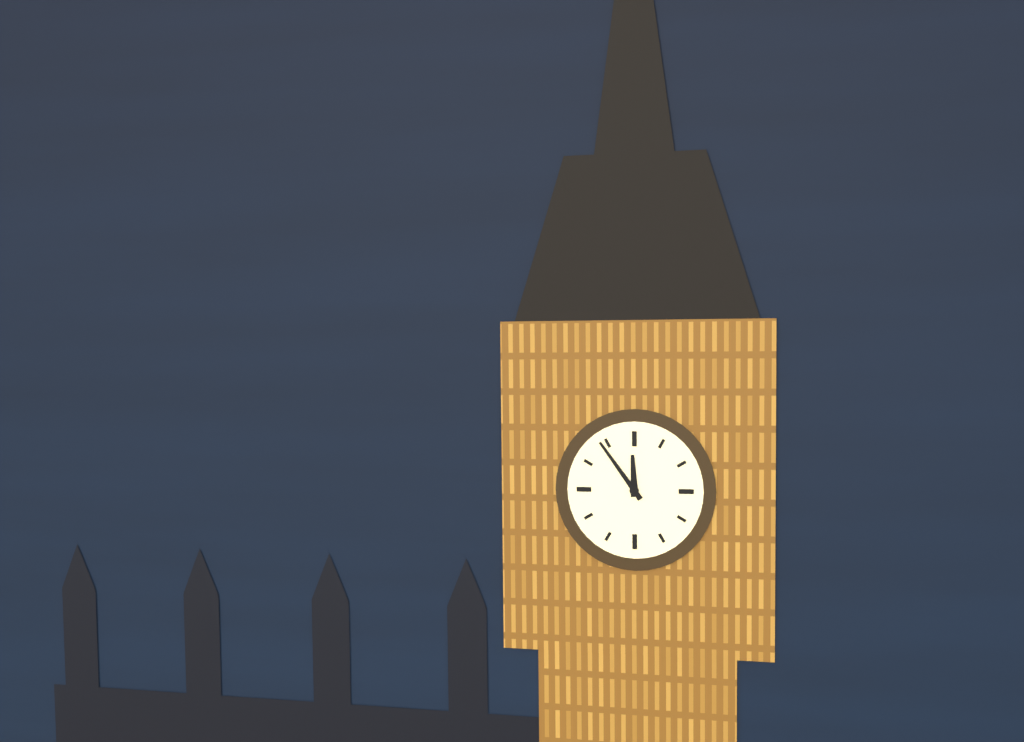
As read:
11,54
